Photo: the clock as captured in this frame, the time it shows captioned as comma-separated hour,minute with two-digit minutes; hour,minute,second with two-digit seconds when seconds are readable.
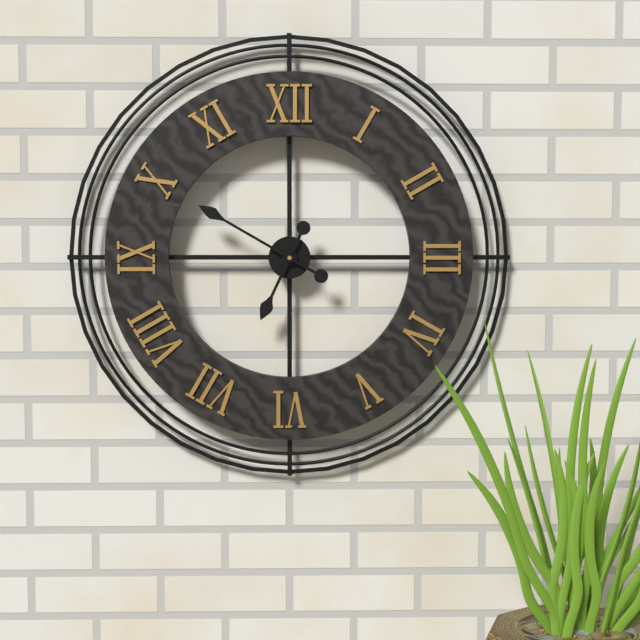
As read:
6,50
